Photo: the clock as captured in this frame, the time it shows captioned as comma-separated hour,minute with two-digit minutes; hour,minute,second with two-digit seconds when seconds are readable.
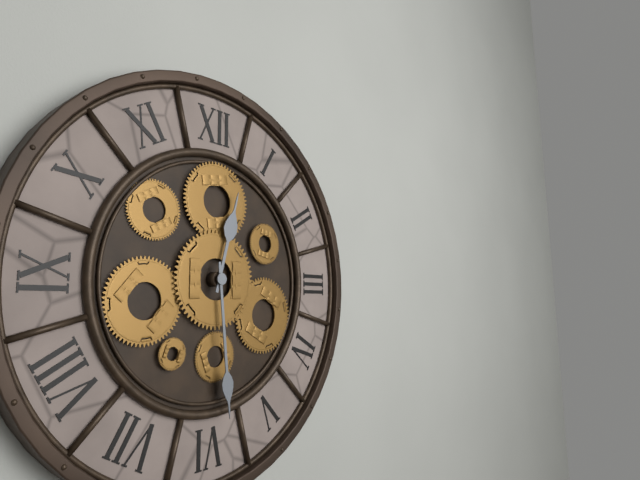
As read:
12,29
